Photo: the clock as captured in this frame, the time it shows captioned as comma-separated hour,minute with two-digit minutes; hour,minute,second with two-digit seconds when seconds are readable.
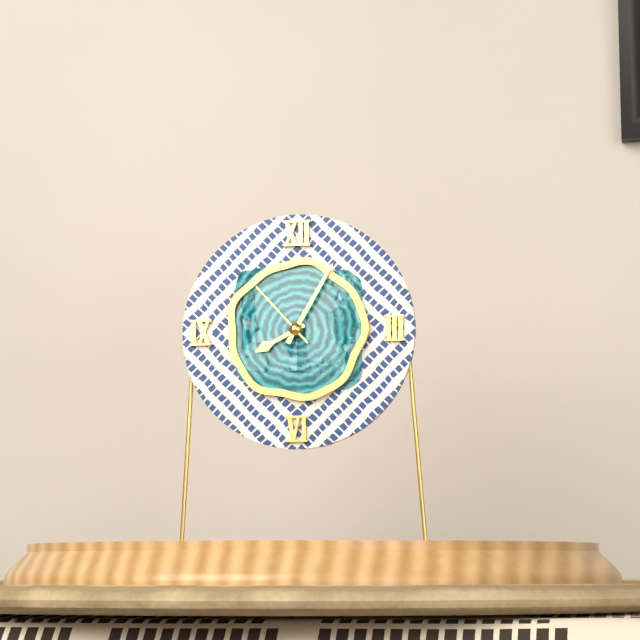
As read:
8,05,53
